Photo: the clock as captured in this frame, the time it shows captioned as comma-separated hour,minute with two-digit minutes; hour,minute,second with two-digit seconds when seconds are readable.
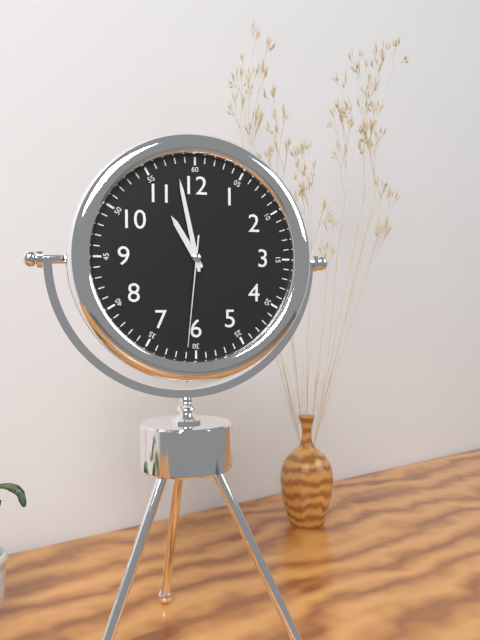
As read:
10,58,31
